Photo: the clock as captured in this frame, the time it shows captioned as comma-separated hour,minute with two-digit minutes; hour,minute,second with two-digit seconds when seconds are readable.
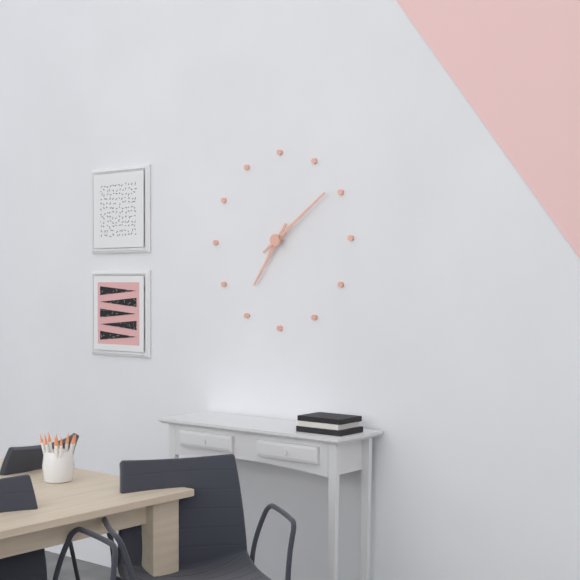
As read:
7,09
